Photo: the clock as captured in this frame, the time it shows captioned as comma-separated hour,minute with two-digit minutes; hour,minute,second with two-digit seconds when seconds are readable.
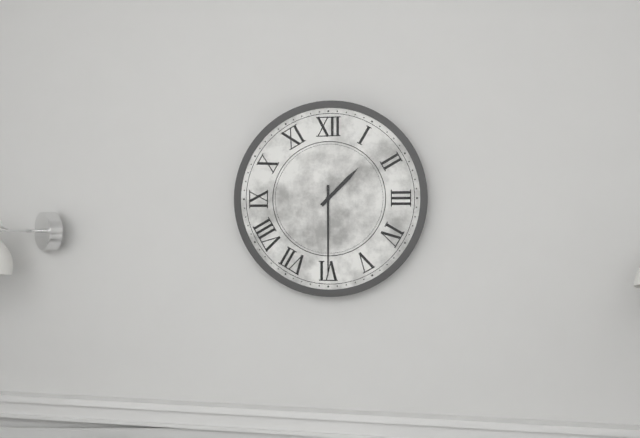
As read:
1,30
